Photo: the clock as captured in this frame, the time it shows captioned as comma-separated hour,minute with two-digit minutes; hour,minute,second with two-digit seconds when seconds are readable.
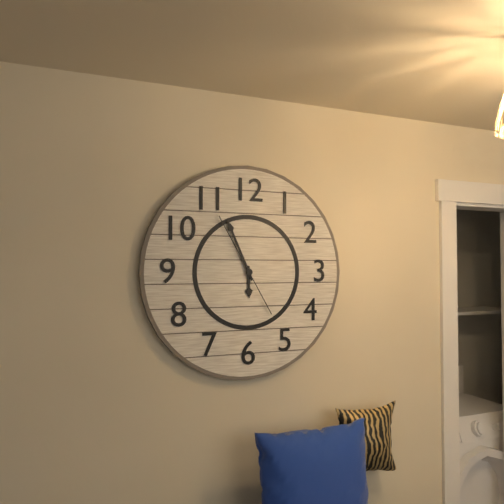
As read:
5,56,55
